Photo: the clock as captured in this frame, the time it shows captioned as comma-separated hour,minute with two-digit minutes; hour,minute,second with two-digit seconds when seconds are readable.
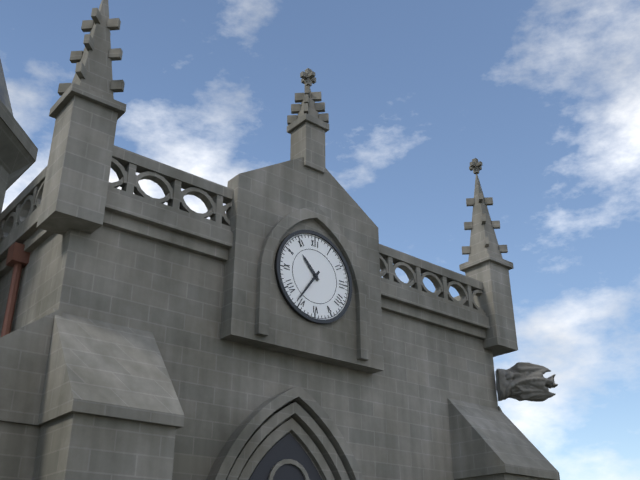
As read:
10,36
